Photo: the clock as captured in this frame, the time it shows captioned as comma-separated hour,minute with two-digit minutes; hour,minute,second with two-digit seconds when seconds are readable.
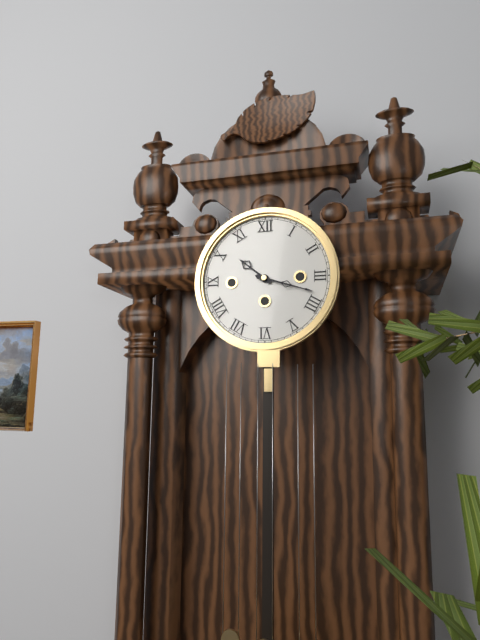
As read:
10,18
